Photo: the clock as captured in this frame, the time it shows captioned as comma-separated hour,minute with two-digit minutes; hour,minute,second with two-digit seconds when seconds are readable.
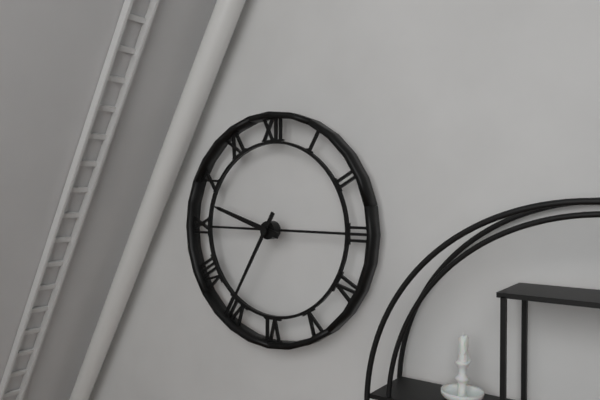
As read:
9,35
